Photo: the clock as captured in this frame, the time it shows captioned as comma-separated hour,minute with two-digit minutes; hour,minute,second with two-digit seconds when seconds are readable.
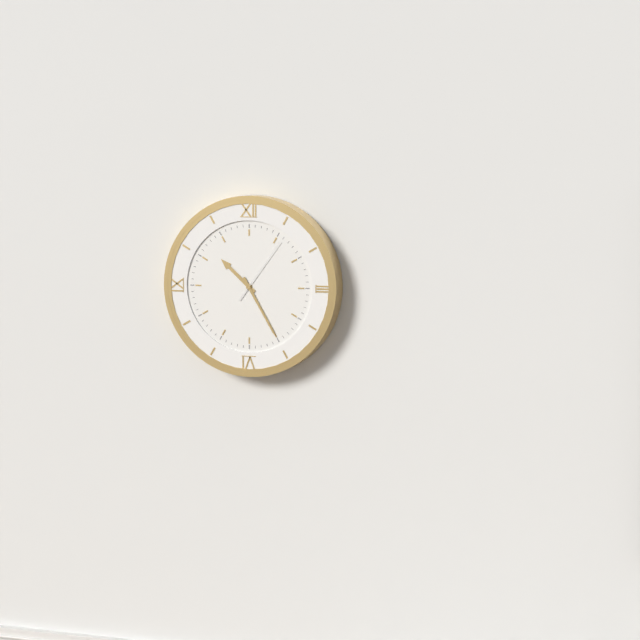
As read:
10,25,06
